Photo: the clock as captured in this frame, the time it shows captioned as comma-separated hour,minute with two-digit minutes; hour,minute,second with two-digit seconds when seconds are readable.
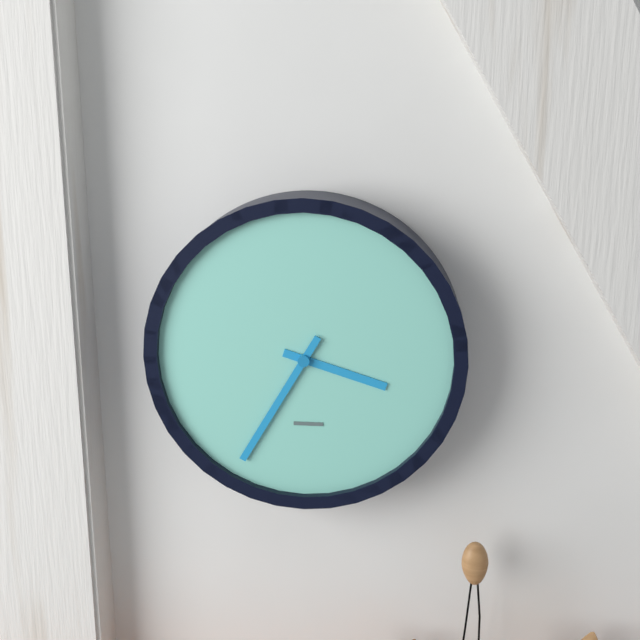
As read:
3,35
